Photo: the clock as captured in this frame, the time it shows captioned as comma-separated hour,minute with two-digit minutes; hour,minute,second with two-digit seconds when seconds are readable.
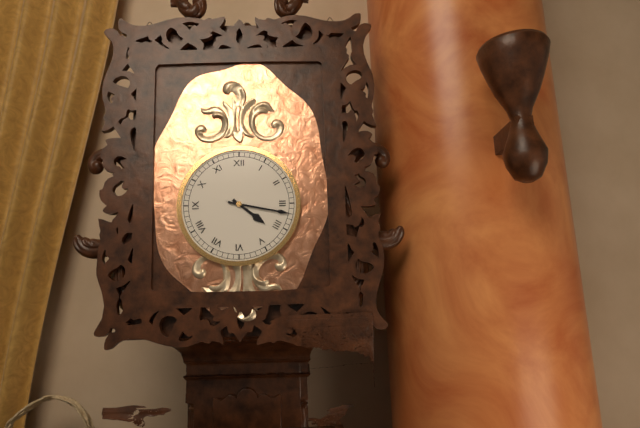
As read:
4,17
